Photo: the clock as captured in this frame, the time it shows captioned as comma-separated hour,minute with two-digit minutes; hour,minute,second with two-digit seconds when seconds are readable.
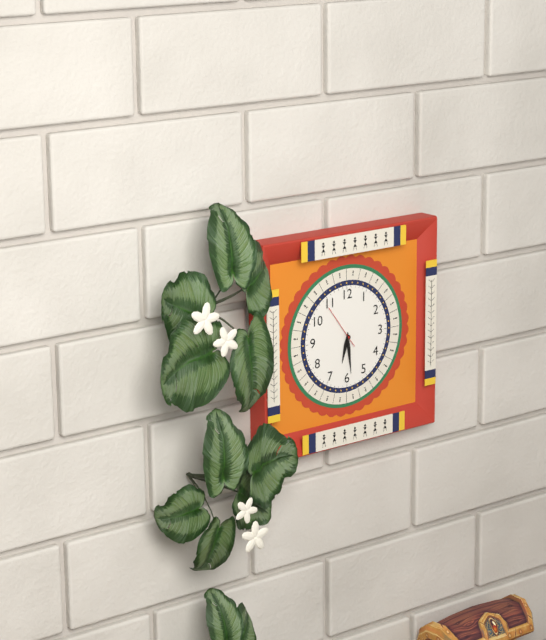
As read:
6,29
